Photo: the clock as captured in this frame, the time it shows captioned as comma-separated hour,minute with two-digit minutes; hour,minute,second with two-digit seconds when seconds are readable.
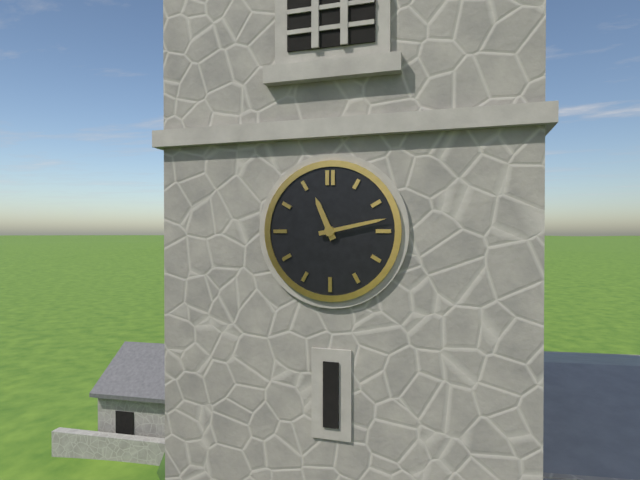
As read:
11,13
